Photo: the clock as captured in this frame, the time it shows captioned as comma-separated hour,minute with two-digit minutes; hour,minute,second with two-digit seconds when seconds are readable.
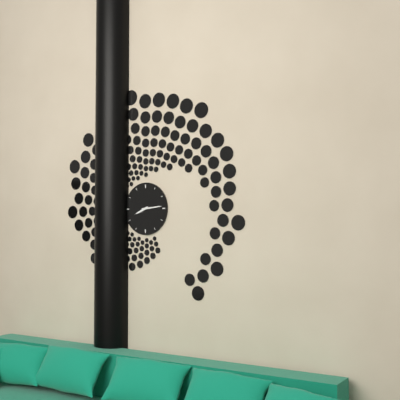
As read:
8,14
